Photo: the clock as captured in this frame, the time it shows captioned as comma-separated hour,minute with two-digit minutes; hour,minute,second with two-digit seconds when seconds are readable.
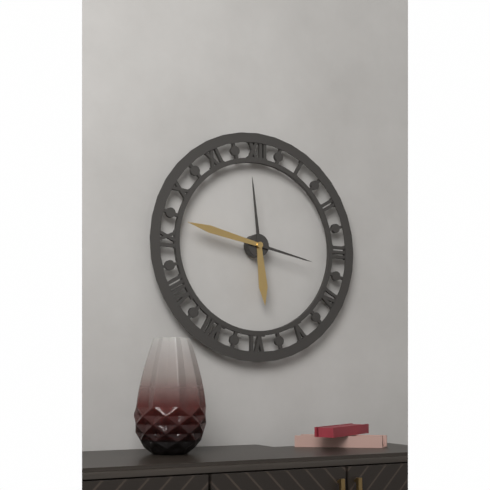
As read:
5,47
